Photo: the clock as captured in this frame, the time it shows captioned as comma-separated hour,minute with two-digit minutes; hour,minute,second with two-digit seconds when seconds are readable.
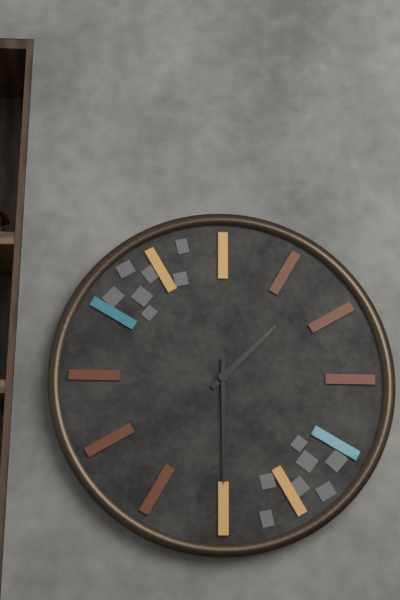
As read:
1,30
